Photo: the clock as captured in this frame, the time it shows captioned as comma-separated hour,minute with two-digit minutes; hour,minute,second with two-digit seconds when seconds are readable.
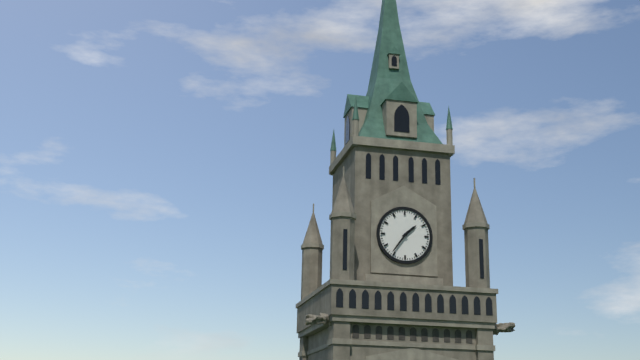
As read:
1,36
